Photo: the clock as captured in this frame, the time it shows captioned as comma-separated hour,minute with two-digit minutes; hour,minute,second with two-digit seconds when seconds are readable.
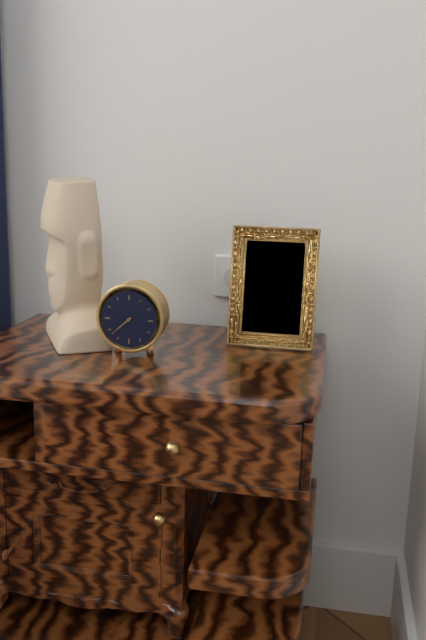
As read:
7,38
